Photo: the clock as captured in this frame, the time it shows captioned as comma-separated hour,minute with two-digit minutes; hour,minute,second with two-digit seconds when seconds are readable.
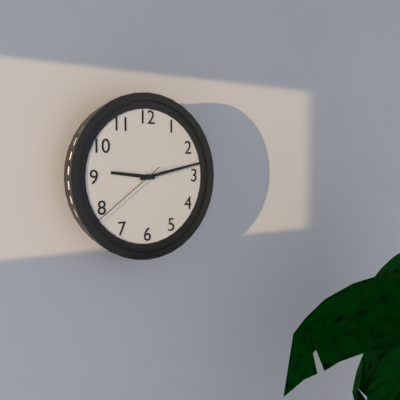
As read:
9,13,39
